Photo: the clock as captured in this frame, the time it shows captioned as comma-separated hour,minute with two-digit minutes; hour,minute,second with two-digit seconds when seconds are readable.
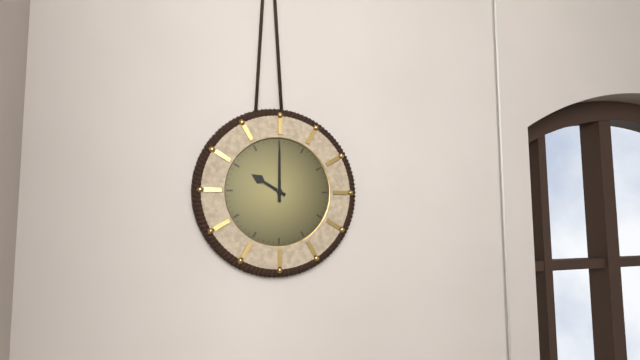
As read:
10,00
